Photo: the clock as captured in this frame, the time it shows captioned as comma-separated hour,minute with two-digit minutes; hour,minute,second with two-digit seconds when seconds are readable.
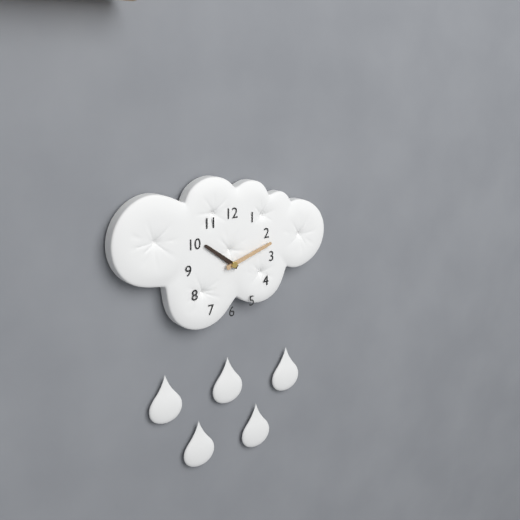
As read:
10,12
